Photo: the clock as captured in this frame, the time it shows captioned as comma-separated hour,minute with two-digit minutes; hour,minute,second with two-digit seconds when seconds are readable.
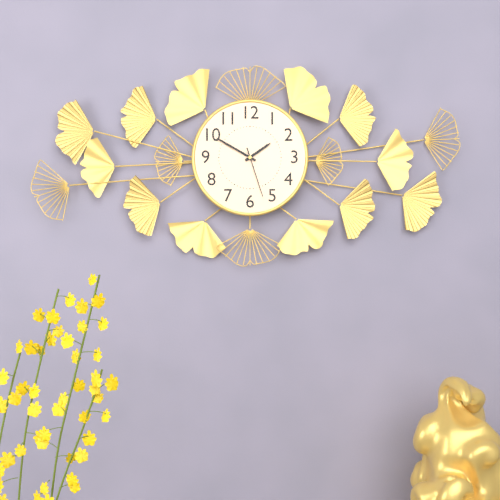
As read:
1,50,27
